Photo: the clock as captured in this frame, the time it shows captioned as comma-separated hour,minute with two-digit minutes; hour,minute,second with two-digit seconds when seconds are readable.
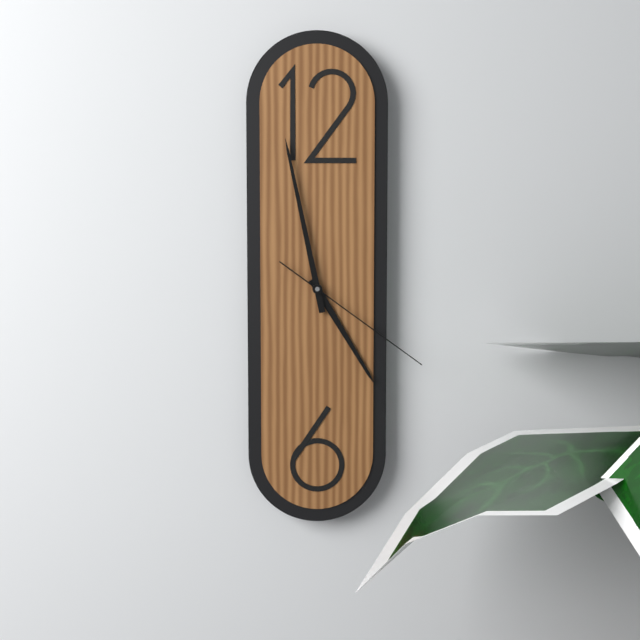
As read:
4,58,21
